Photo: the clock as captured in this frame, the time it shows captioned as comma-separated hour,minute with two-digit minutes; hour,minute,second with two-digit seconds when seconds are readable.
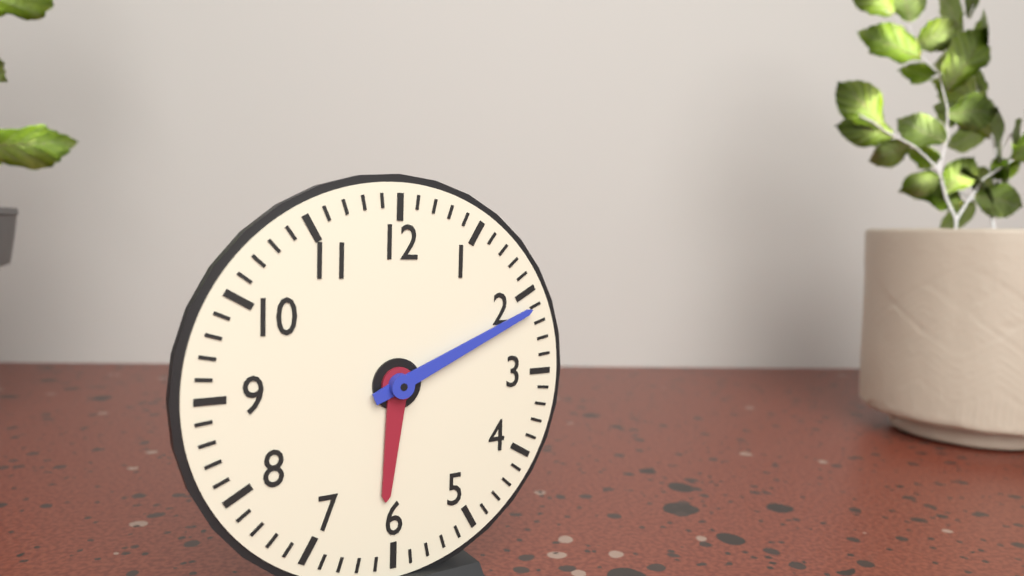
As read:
6,11
